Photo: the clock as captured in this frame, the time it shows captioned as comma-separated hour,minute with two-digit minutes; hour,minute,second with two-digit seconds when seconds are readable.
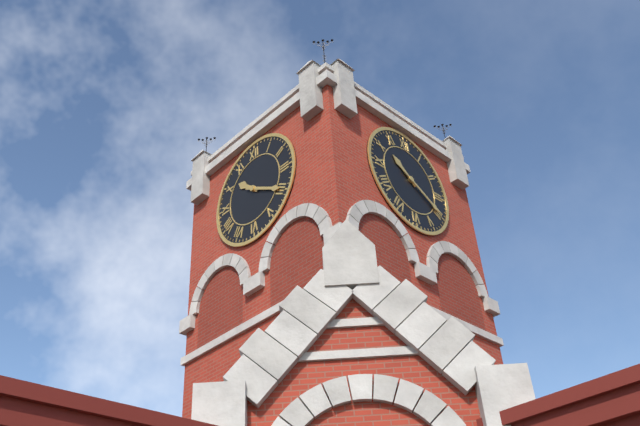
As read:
10,20
